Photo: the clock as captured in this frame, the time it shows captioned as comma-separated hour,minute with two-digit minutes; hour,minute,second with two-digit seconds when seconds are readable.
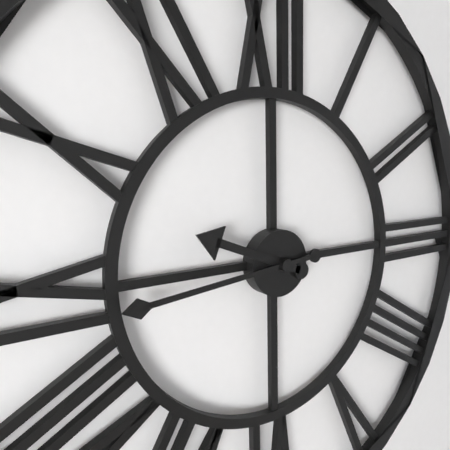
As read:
9,44
